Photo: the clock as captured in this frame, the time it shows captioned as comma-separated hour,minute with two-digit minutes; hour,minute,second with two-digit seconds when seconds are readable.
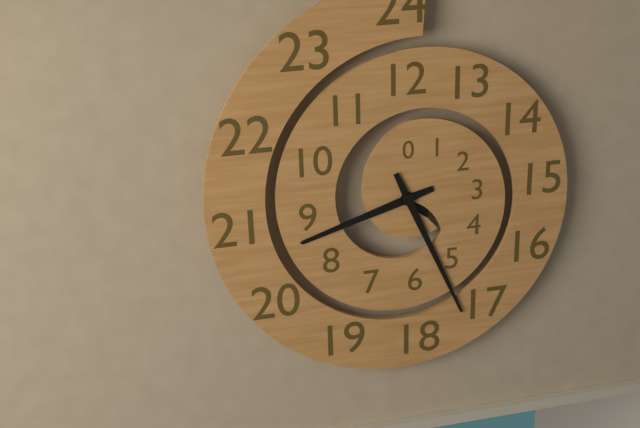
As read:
8,26
